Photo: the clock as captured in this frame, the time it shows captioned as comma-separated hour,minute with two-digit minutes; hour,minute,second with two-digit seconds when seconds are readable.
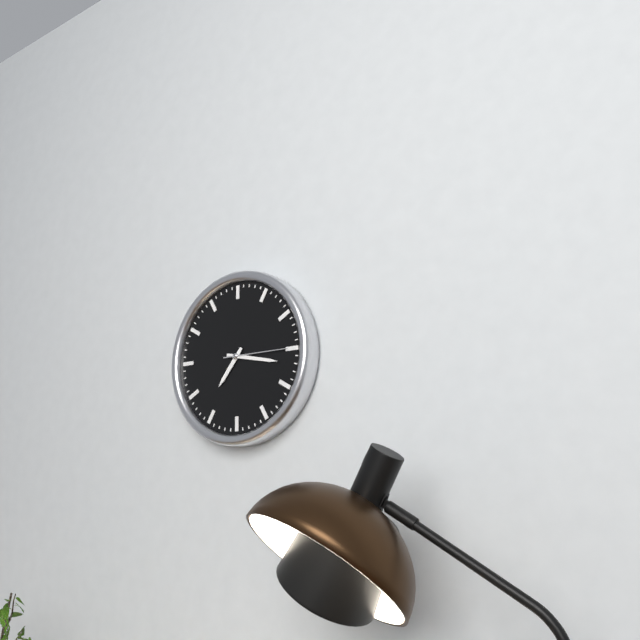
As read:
7,17,15
